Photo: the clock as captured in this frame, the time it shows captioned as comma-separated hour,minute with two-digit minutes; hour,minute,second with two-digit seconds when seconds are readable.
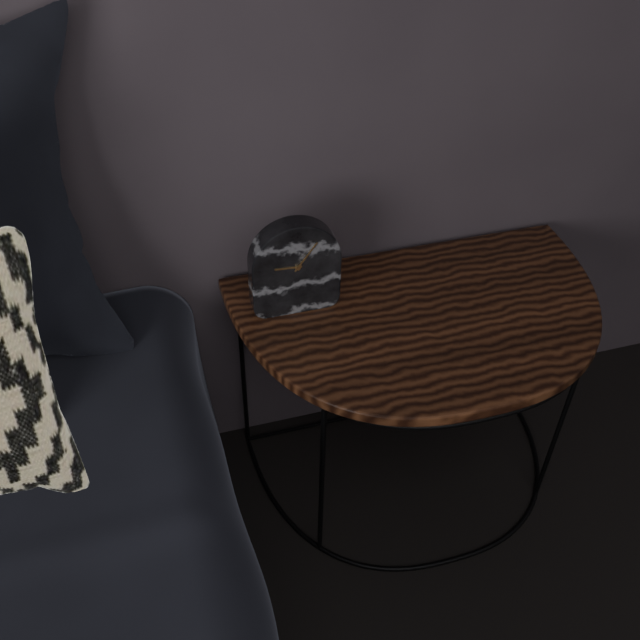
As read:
9,06
